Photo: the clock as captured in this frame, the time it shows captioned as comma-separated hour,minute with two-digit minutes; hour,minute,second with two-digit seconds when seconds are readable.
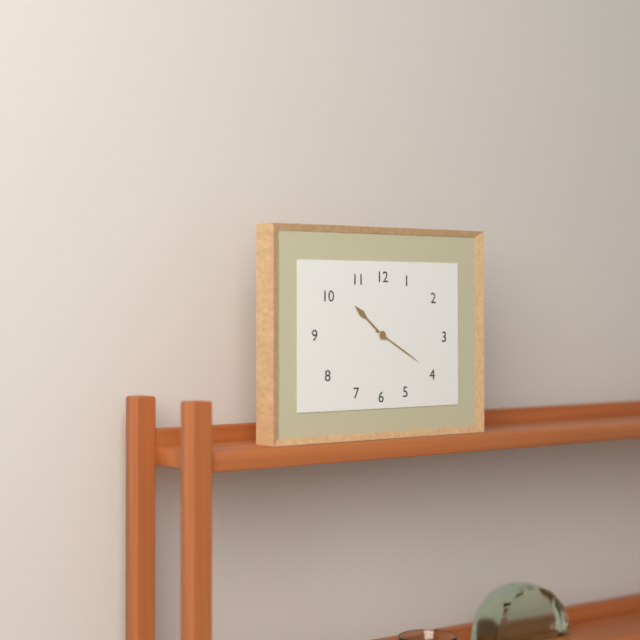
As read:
10,20
